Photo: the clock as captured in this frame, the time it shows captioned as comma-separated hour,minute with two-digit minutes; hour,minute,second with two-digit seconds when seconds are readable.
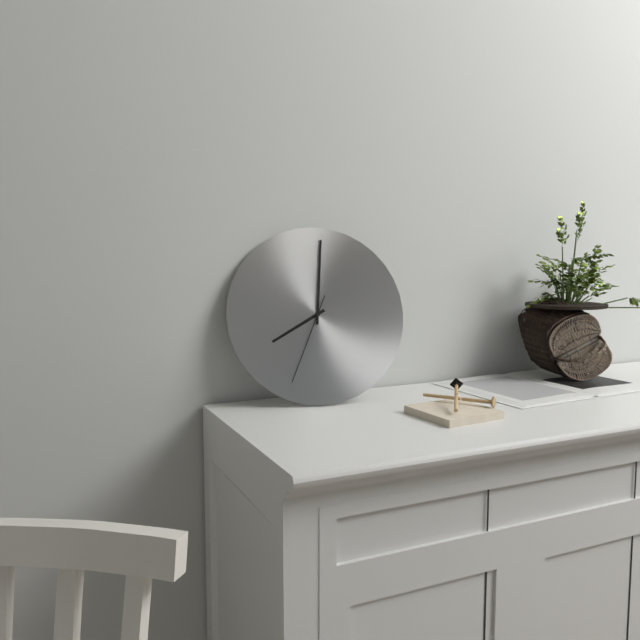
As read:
8,01,34
